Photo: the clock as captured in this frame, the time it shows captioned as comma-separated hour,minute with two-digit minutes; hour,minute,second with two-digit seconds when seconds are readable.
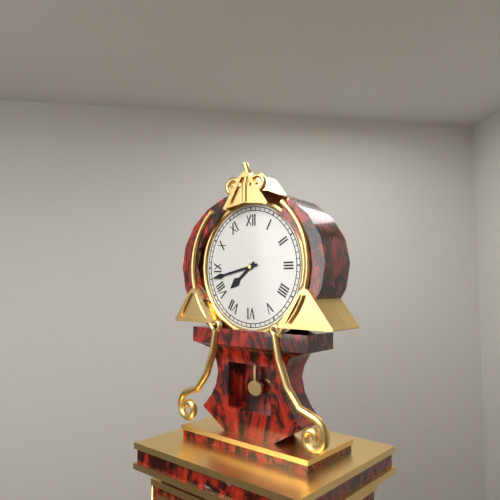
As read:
7,43
